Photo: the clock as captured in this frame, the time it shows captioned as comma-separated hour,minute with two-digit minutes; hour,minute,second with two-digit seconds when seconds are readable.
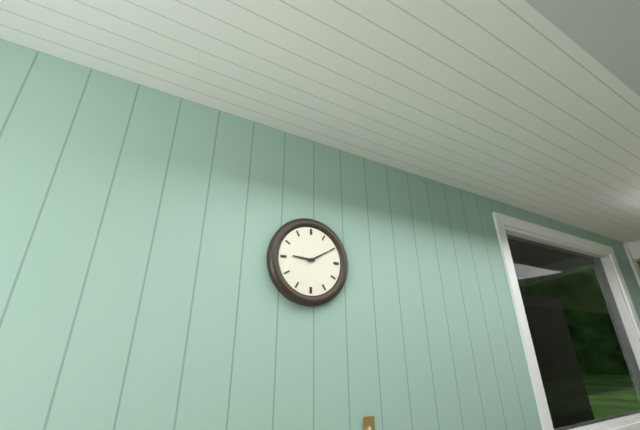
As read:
9,10
